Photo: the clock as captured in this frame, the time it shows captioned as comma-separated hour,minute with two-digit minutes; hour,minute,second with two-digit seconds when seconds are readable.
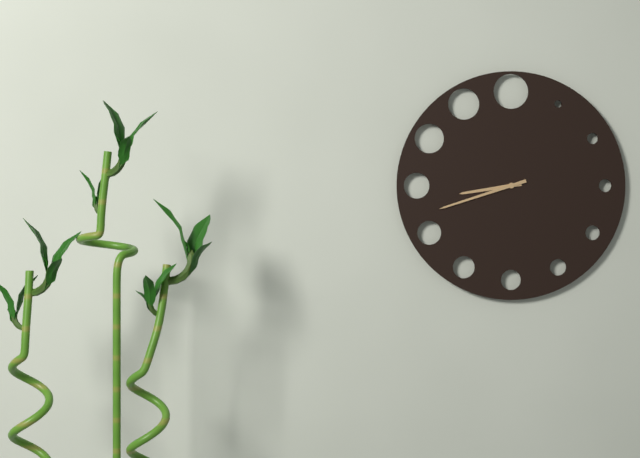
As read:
8,42
